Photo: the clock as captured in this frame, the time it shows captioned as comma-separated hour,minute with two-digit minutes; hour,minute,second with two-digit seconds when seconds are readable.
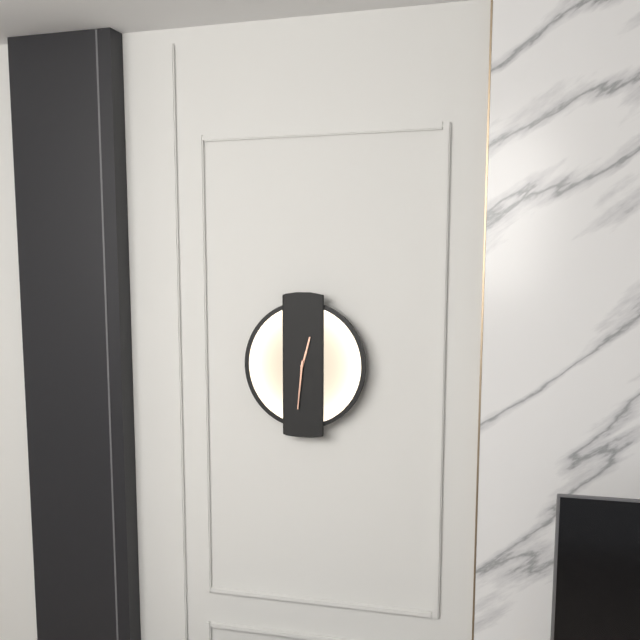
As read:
12,31
